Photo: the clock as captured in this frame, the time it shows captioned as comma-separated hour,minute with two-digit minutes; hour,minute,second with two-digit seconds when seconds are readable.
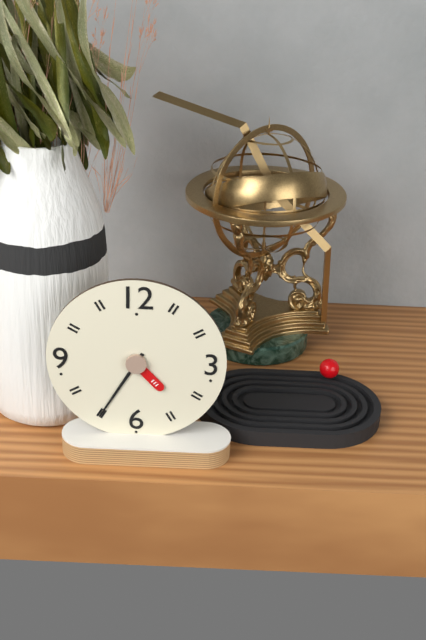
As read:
4,35
